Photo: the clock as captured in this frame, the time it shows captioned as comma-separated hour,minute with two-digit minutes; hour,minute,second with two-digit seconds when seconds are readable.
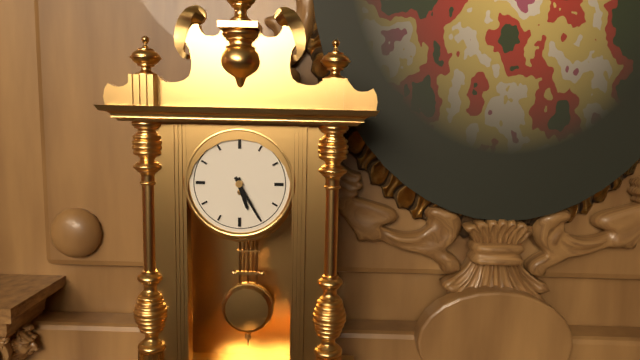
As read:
5,25
